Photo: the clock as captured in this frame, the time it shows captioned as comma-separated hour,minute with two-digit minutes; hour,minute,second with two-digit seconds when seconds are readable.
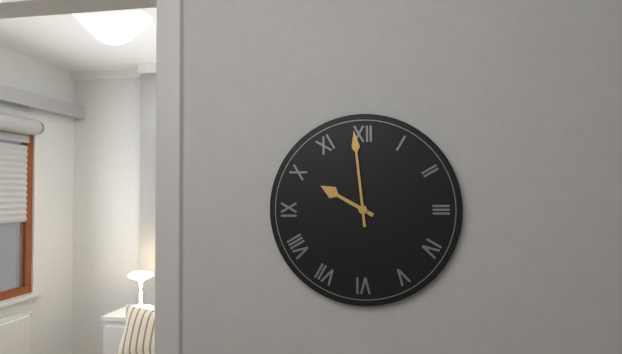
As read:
9,59
